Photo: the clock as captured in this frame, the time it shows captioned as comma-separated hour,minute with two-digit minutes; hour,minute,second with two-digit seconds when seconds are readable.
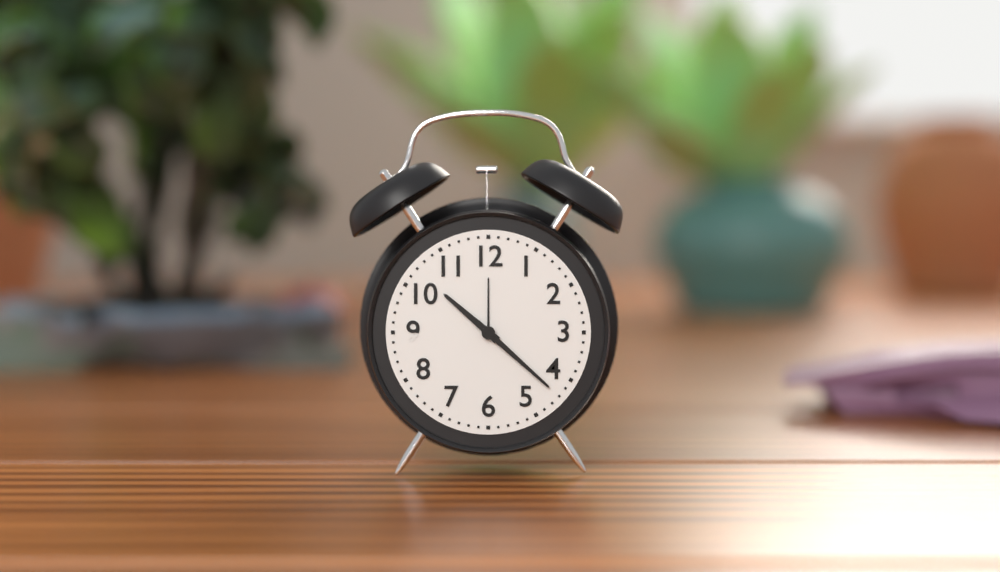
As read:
10,22
